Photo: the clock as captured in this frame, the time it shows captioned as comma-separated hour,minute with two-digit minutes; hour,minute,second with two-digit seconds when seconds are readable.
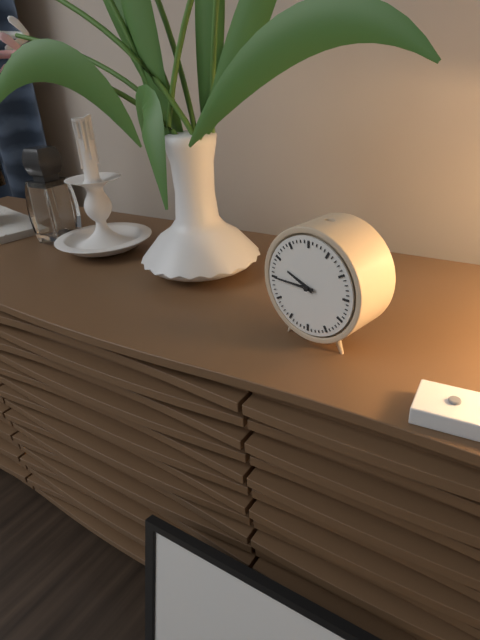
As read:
9,45
